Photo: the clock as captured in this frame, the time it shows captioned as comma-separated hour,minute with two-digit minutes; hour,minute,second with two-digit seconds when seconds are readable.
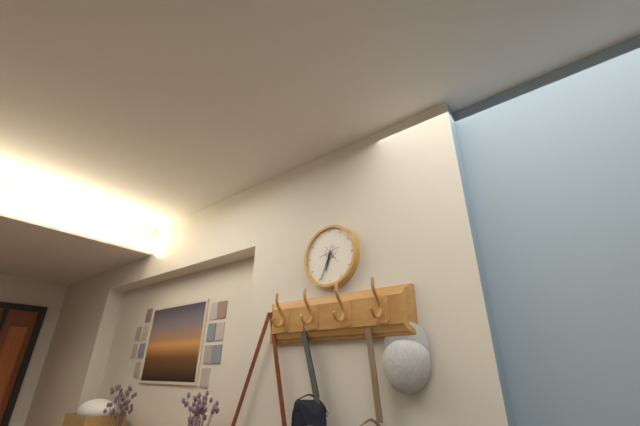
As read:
6,34
